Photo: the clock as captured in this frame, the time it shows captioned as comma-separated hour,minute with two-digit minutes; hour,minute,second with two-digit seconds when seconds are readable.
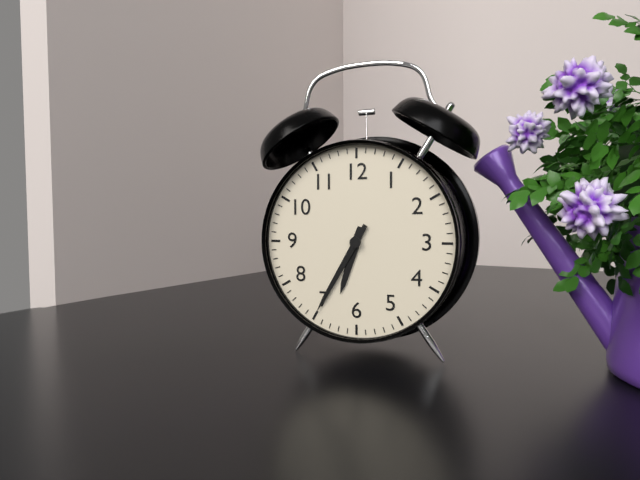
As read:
6,35
